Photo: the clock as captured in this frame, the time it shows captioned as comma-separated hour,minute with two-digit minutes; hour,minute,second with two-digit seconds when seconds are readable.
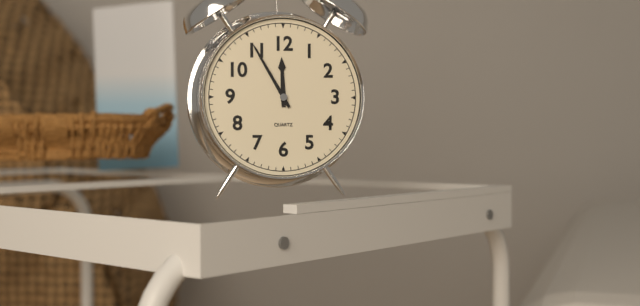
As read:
11,55
